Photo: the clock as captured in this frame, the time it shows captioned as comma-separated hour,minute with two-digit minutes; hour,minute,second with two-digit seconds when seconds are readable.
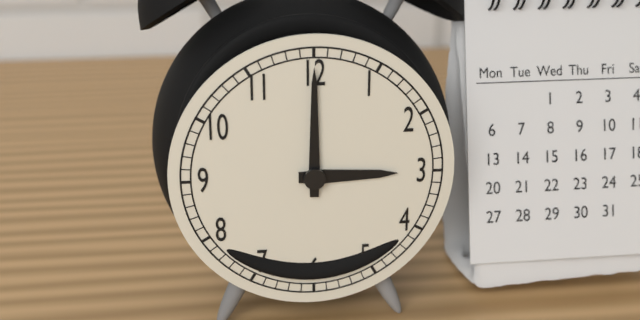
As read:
3,00
